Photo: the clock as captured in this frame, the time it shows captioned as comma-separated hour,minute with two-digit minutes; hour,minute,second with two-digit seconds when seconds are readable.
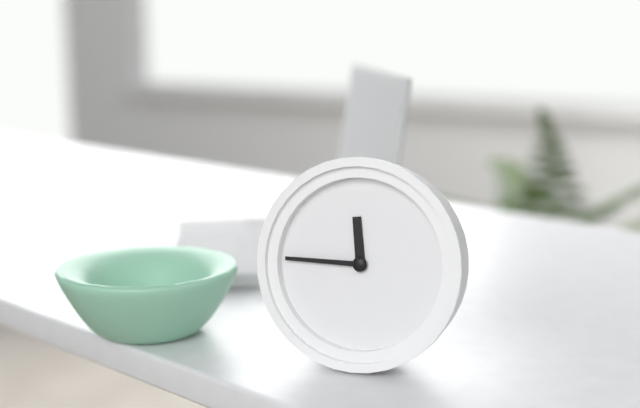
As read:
11,45
